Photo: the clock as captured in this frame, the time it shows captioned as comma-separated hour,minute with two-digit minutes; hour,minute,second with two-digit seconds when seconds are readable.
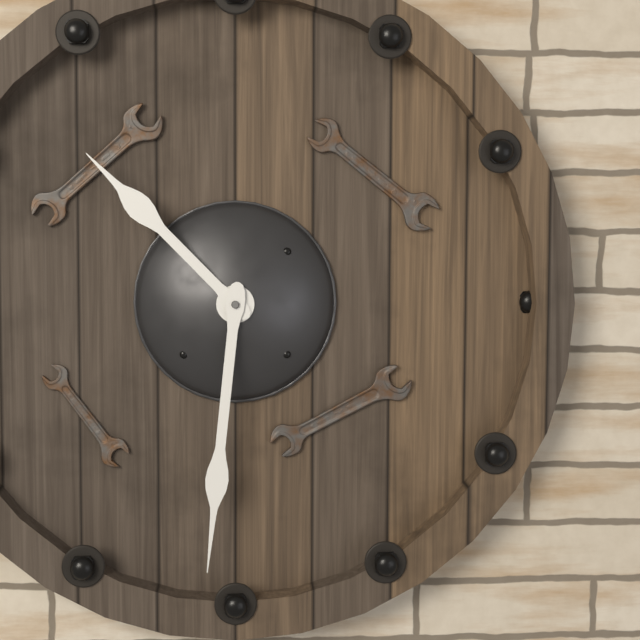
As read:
10,31
